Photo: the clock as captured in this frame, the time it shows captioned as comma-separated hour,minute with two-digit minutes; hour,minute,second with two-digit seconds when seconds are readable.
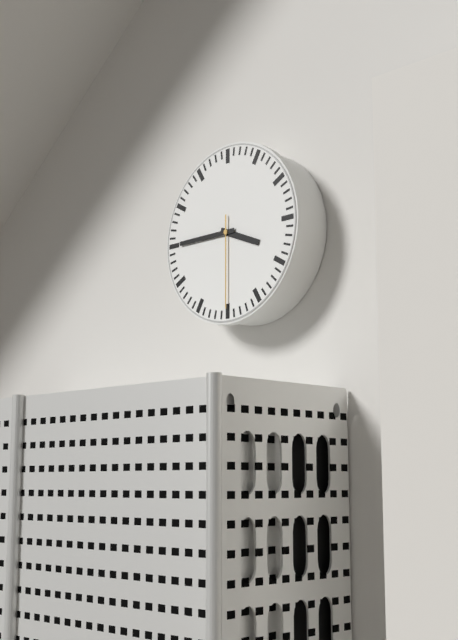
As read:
3,45,30
